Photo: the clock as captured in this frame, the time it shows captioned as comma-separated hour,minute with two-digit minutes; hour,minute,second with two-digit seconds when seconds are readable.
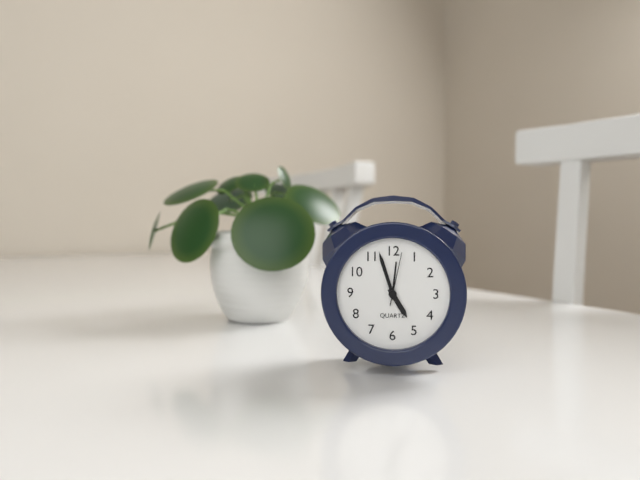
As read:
4,57,02
